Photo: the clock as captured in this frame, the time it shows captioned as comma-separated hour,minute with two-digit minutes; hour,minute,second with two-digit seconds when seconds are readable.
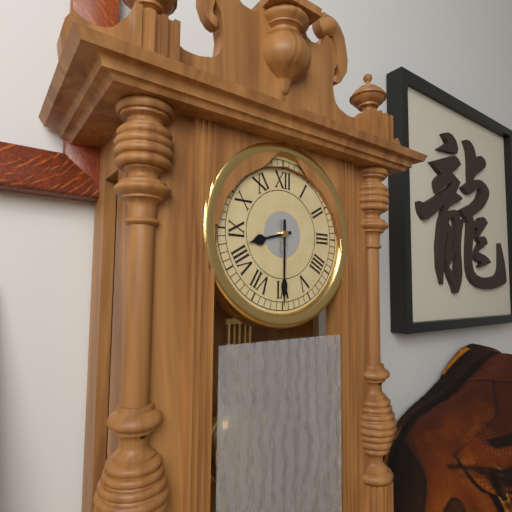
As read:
8,30
